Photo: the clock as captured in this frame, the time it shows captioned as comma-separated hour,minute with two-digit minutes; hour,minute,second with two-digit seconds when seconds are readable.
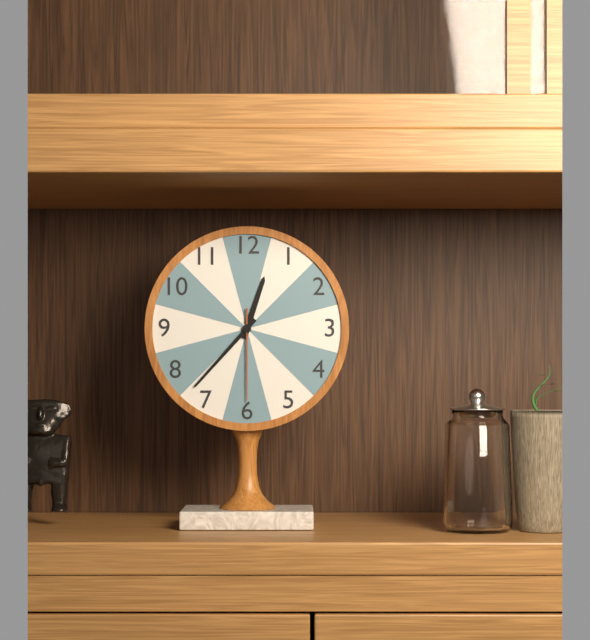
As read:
12,37,30
